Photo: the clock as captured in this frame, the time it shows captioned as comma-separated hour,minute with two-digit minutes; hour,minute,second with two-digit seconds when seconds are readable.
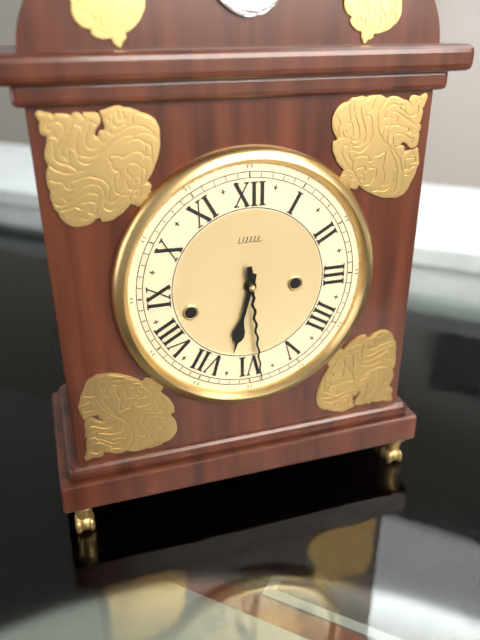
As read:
6,29
